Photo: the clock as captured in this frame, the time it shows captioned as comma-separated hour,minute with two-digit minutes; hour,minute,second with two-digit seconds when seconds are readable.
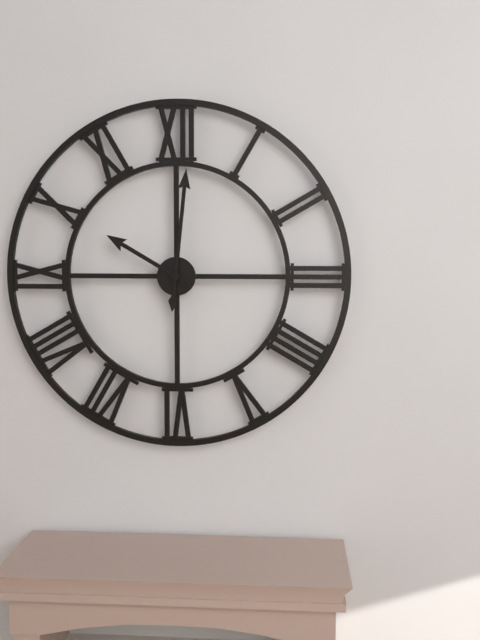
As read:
10,01
